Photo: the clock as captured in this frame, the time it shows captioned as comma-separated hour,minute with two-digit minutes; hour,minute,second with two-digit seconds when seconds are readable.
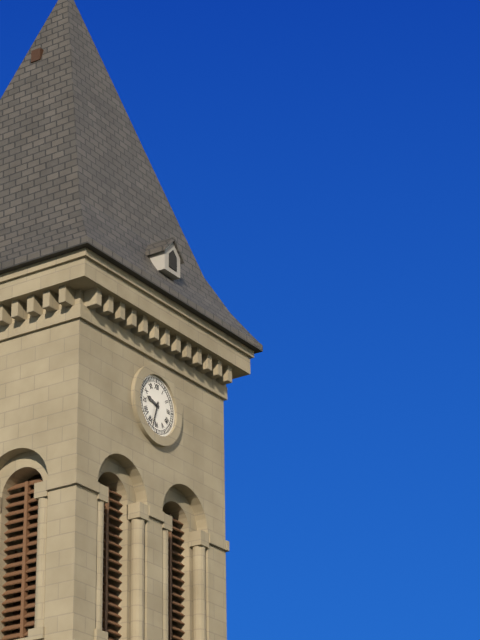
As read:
9,33
